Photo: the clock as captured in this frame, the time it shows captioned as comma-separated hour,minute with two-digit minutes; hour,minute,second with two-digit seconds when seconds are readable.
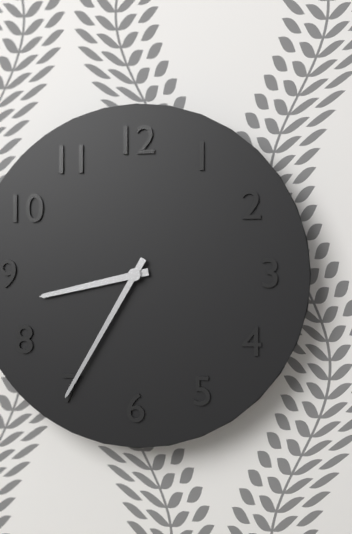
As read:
8,35
